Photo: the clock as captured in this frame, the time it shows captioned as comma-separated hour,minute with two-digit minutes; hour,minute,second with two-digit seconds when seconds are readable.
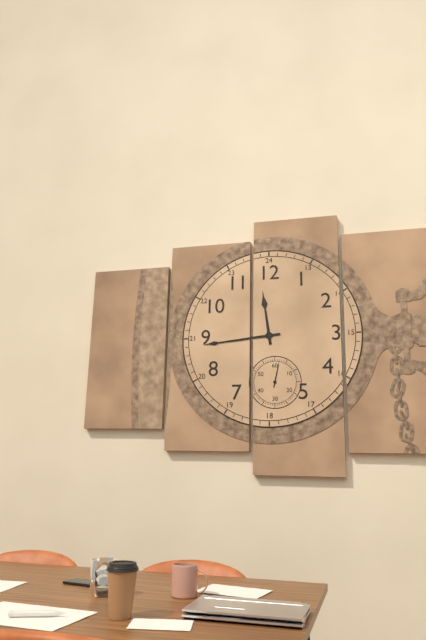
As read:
11,44
